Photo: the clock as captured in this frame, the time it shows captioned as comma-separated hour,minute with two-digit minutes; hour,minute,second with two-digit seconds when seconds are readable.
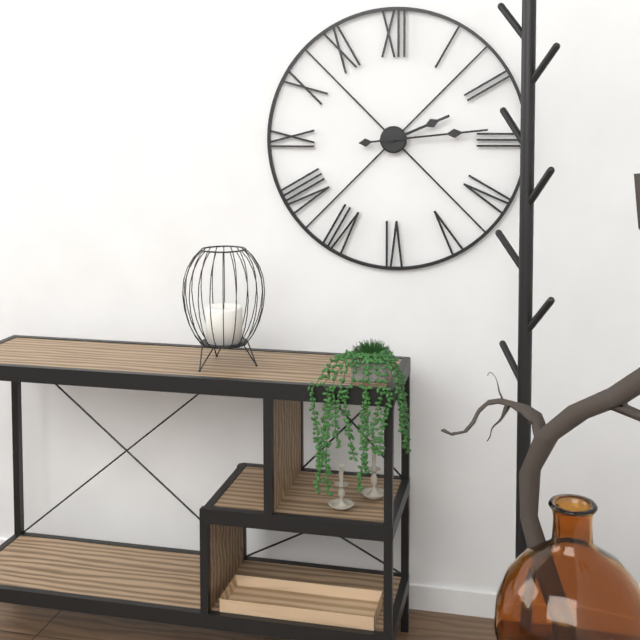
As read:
2,14
